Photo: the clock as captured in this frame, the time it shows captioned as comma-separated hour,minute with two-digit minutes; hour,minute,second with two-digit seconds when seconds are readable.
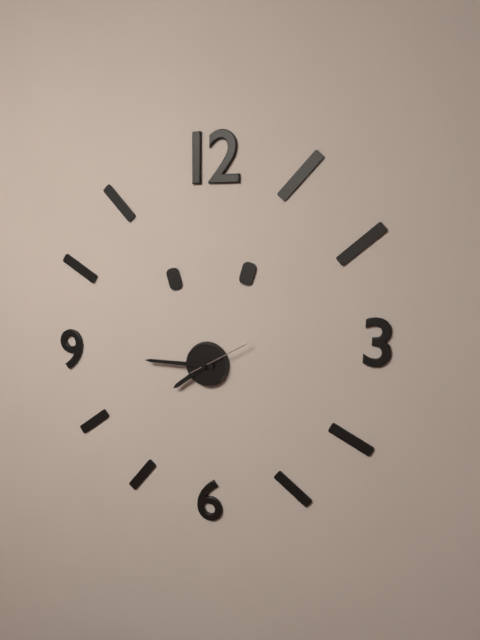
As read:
7,45,10
